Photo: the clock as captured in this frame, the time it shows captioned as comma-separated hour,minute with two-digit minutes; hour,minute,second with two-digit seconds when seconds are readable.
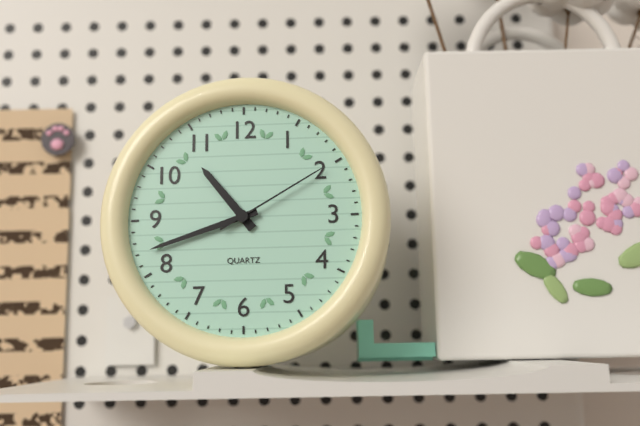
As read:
10,42,10
